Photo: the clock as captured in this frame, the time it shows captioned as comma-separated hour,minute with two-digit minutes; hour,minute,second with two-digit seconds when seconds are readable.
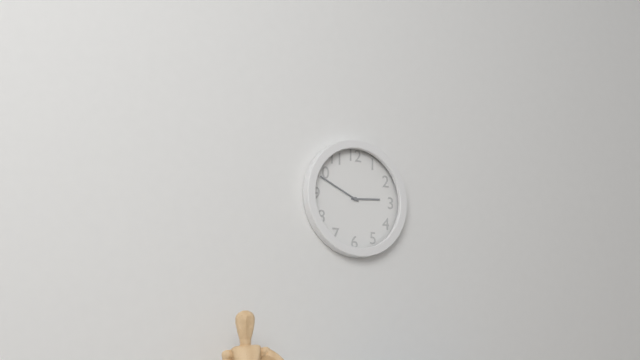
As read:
2,49
